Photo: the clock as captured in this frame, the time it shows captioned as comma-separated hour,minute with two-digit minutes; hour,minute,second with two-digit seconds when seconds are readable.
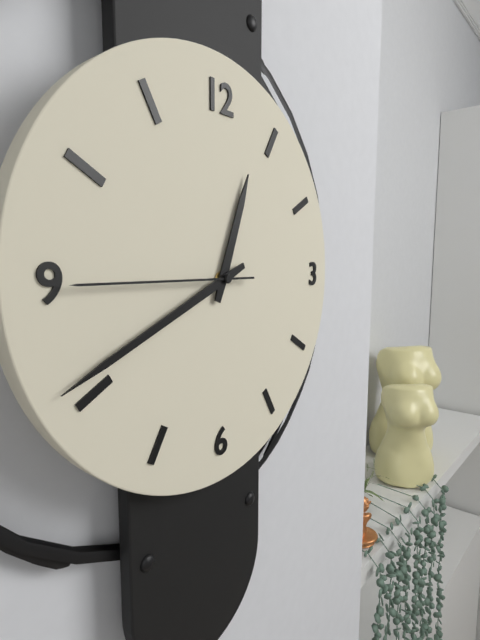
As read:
12,41,45
